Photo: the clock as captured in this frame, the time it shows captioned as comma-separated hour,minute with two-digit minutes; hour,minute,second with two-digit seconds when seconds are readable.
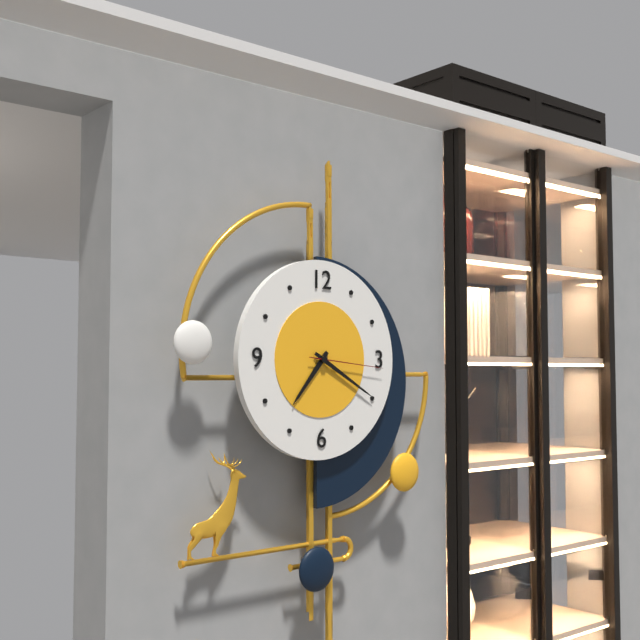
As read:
7,20,16
